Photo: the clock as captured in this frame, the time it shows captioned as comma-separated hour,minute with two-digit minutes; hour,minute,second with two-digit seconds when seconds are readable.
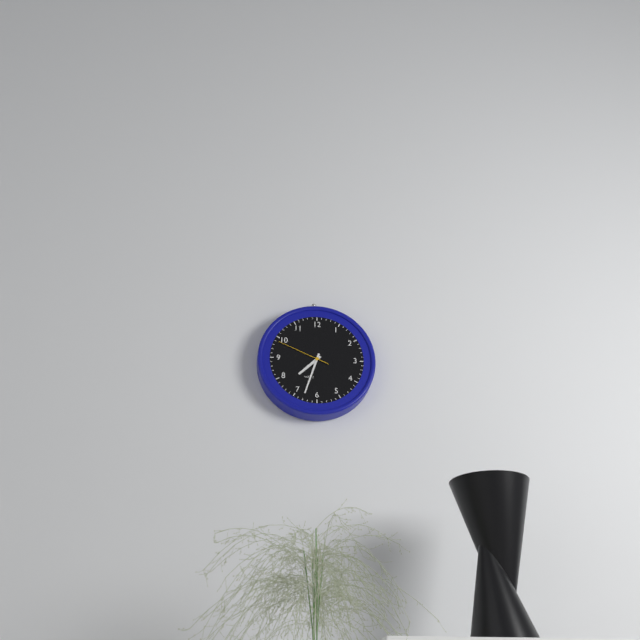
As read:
7,33,49
